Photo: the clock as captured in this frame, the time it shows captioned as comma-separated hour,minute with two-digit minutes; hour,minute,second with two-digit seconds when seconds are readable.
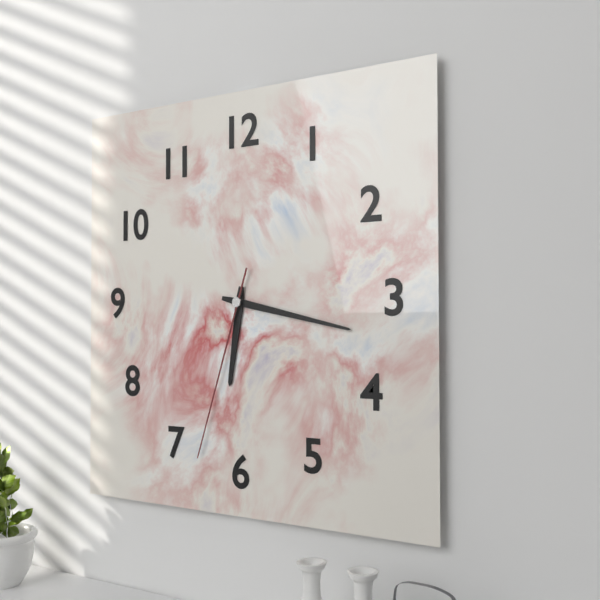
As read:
6,17,33
